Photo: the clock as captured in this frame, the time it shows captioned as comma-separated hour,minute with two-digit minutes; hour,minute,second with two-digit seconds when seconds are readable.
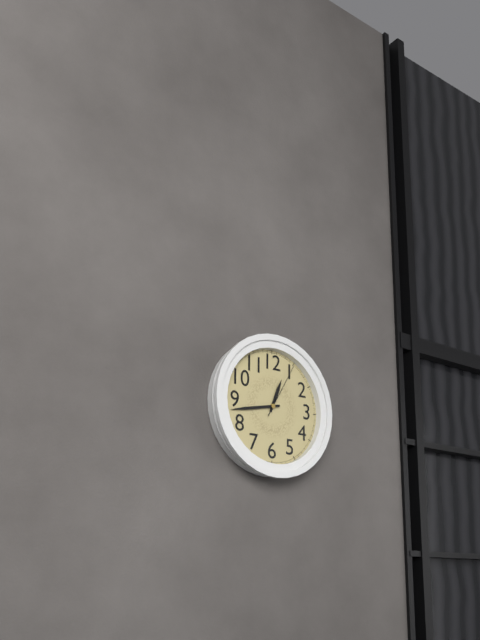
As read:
12,43,05
